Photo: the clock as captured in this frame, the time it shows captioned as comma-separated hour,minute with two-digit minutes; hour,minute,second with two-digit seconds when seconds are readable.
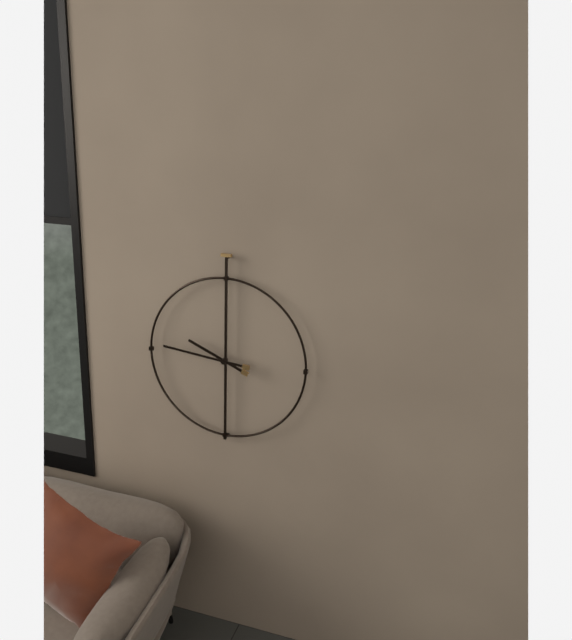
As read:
9,46
